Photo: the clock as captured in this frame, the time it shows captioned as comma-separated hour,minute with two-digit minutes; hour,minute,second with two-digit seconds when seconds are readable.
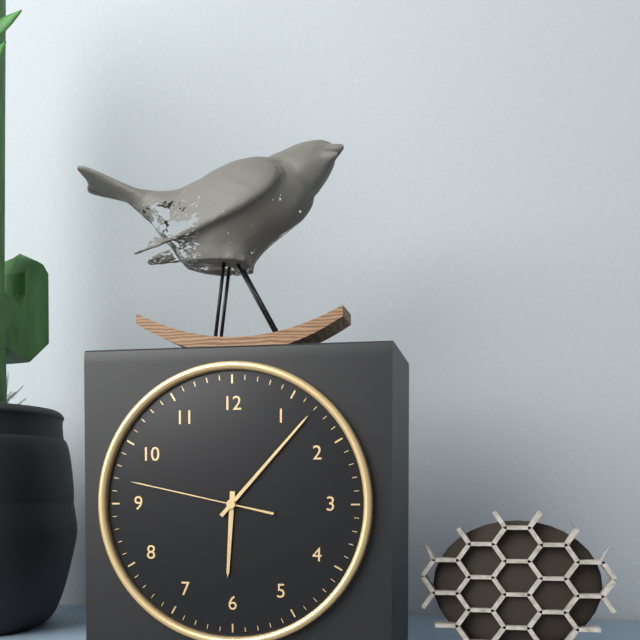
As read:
6,07,47
